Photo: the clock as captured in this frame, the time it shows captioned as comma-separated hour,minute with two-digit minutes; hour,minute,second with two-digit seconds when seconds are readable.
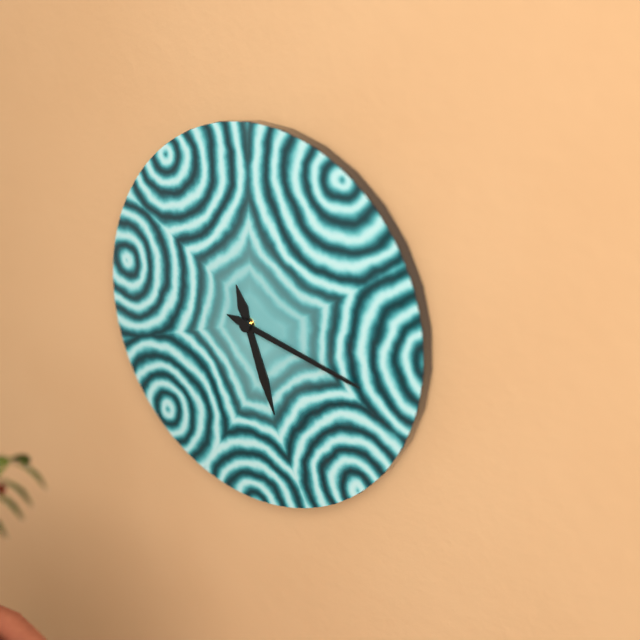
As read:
5,17
